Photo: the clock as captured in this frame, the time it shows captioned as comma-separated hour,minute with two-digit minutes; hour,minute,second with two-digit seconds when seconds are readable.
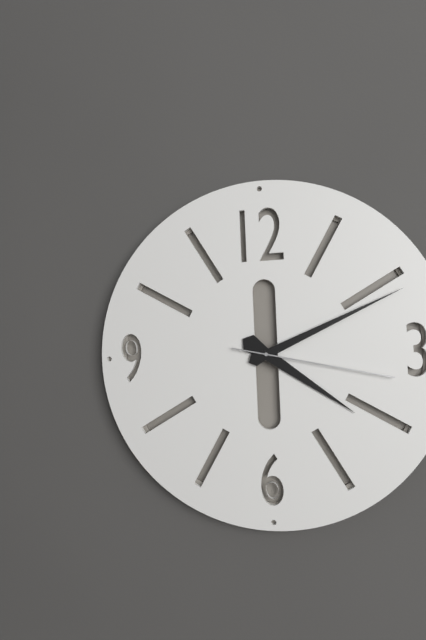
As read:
4,11,17
